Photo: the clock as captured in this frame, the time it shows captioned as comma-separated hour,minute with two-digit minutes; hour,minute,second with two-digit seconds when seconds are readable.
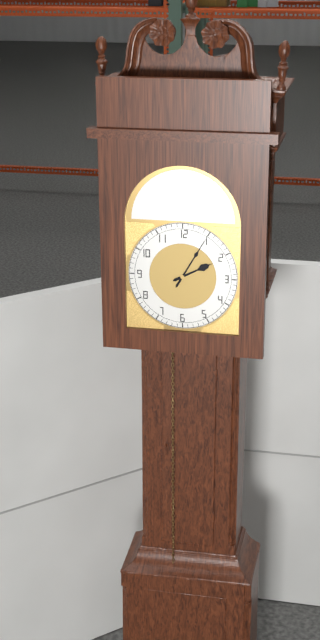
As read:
2,05
